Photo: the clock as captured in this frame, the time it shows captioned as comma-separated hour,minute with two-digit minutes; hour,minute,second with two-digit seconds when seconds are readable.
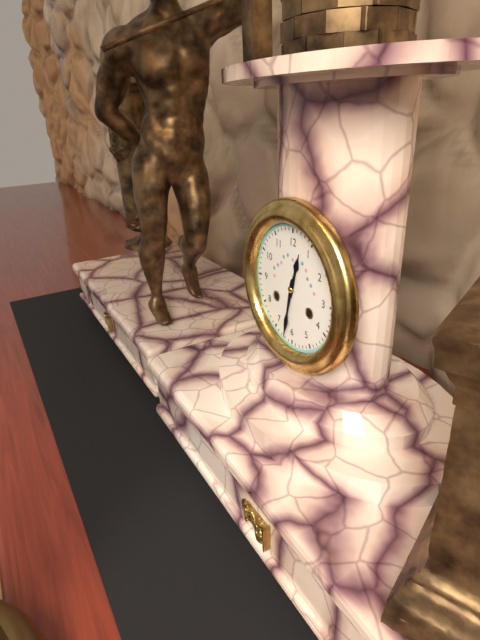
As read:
12,32
